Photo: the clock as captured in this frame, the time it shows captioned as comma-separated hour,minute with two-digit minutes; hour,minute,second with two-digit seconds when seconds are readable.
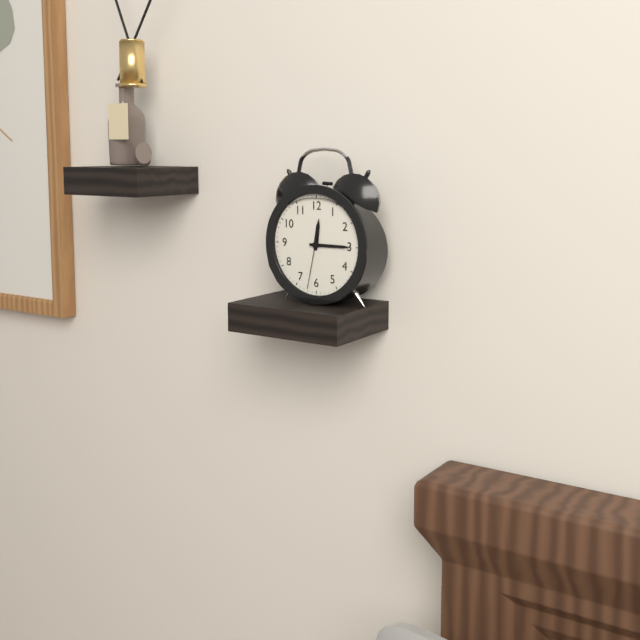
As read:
12,15,32
